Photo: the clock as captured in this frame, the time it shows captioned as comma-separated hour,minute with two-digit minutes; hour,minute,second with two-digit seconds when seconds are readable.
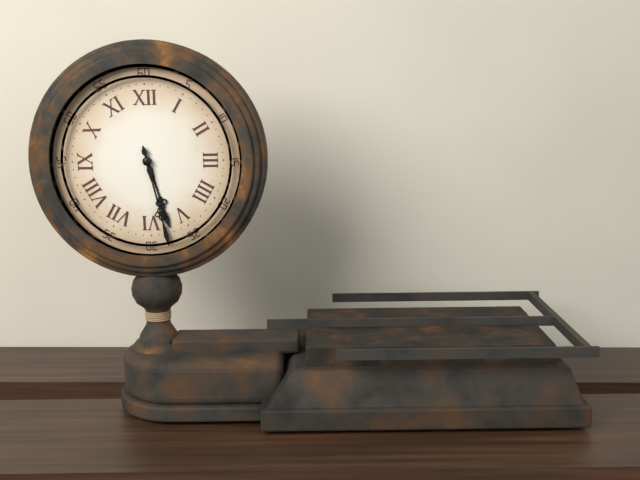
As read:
5,28
